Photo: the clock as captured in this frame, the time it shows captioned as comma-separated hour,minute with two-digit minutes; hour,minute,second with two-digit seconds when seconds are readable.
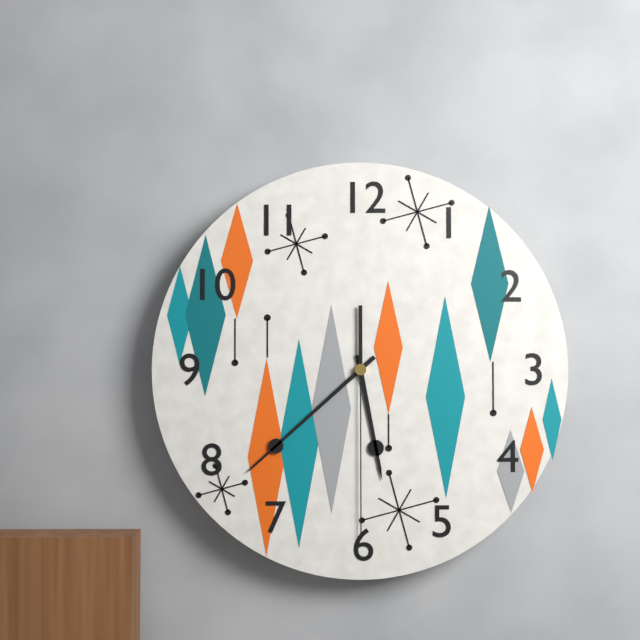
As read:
5,38,30
